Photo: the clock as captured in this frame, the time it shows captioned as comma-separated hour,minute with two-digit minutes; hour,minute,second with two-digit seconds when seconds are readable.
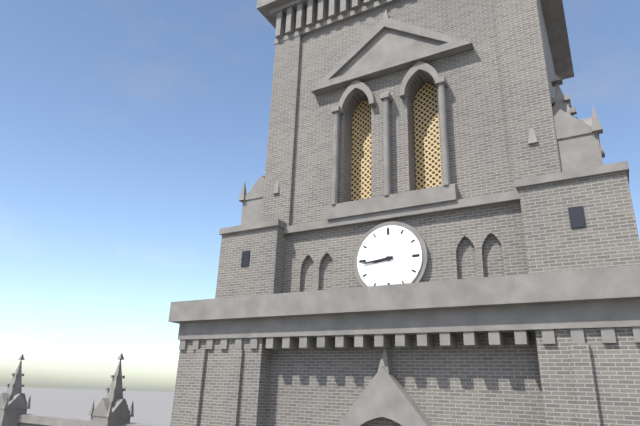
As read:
8,44
